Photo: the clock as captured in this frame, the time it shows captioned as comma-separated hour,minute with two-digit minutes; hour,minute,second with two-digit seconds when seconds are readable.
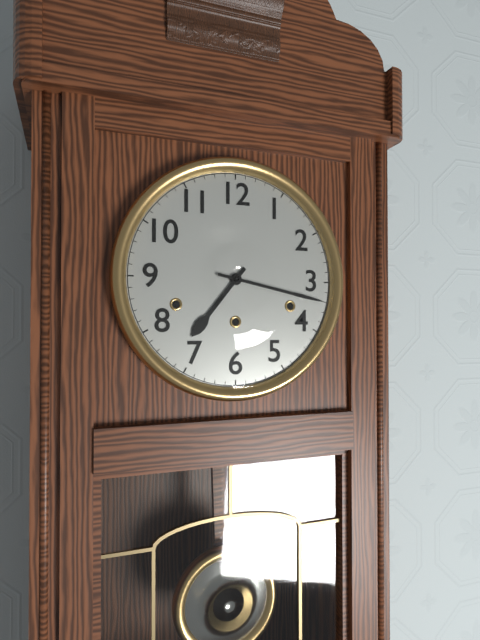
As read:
7,17
